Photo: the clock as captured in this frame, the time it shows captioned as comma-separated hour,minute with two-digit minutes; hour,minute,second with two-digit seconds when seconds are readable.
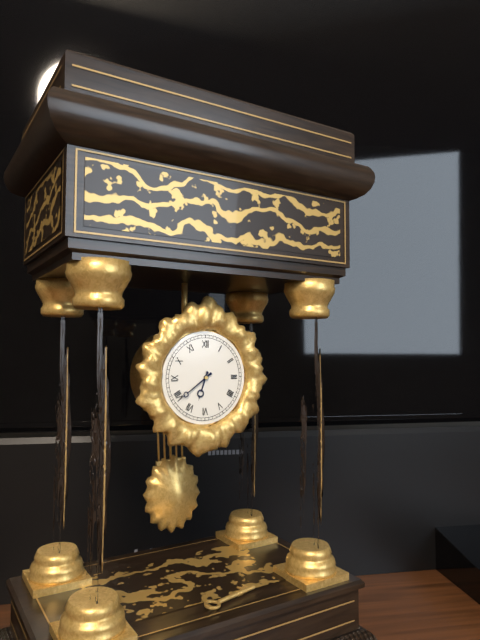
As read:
6,39
